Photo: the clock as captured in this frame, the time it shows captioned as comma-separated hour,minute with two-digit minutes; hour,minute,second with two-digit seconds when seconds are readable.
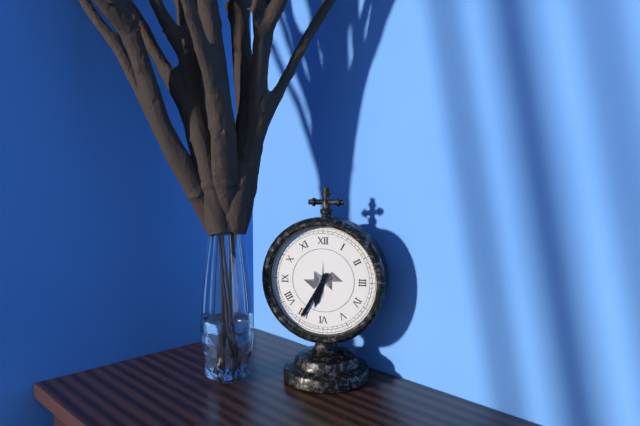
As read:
6,35
